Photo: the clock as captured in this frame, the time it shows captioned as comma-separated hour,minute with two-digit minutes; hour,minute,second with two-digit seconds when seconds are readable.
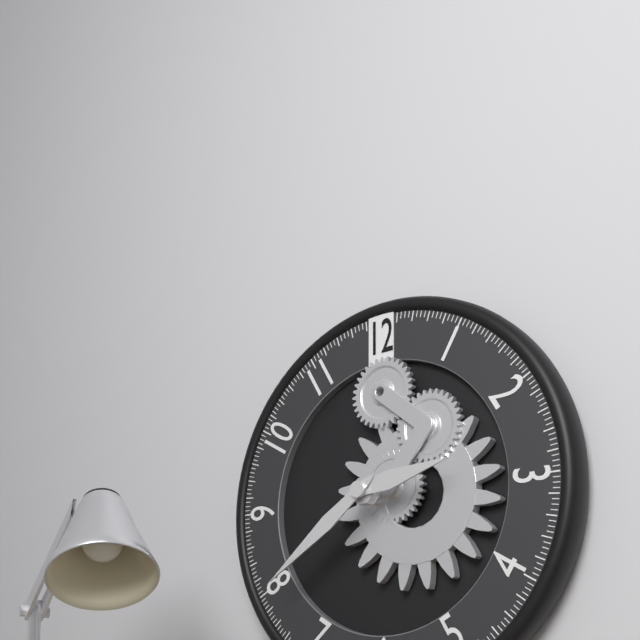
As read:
2,39
